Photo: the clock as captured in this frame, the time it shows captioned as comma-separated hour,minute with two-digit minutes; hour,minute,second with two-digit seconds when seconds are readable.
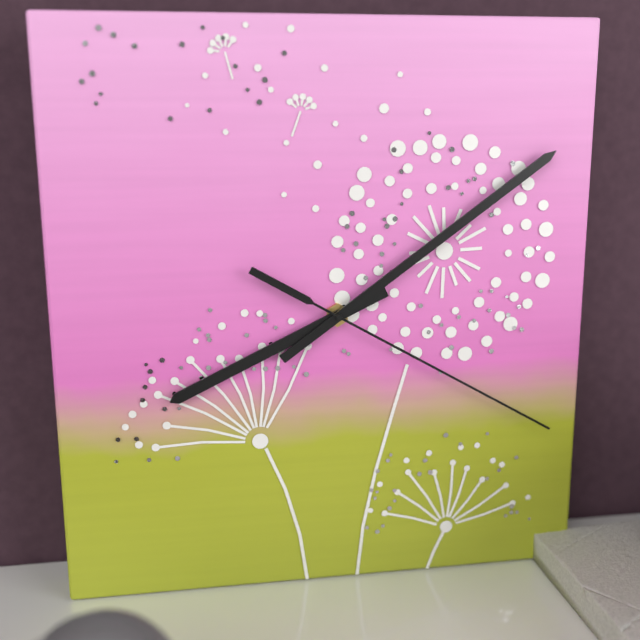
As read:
8,09,20
